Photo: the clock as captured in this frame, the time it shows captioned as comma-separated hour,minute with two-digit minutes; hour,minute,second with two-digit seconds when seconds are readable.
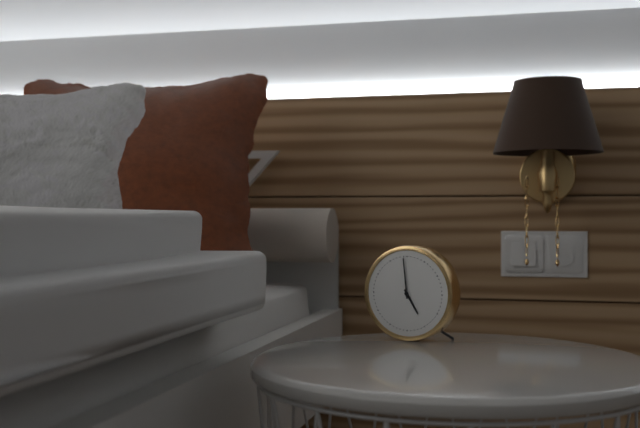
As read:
4,59
